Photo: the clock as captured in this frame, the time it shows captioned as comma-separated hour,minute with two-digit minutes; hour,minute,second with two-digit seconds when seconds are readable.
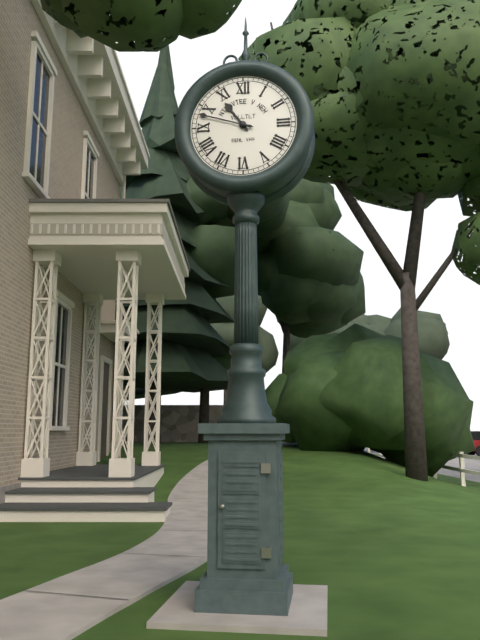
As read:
10,48
